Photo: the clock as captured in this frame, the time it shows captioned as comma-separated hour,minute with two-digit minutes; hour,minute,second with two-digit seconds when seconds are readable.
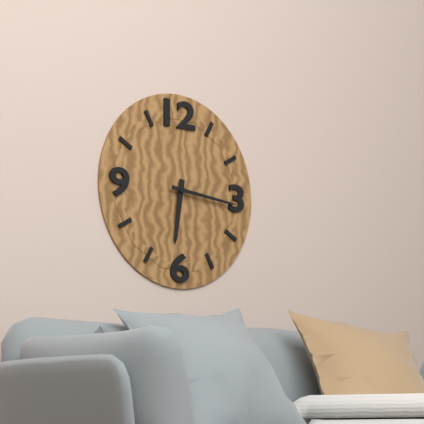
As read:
6,16
